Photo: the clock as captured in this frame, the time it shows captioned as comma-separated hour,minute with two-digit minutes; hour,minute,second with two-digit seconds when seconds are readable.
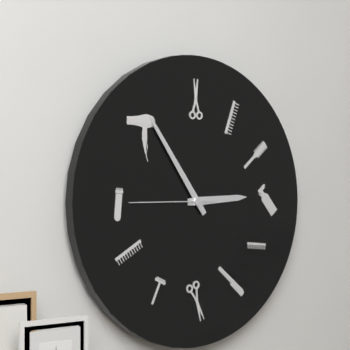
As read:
2,54,45
